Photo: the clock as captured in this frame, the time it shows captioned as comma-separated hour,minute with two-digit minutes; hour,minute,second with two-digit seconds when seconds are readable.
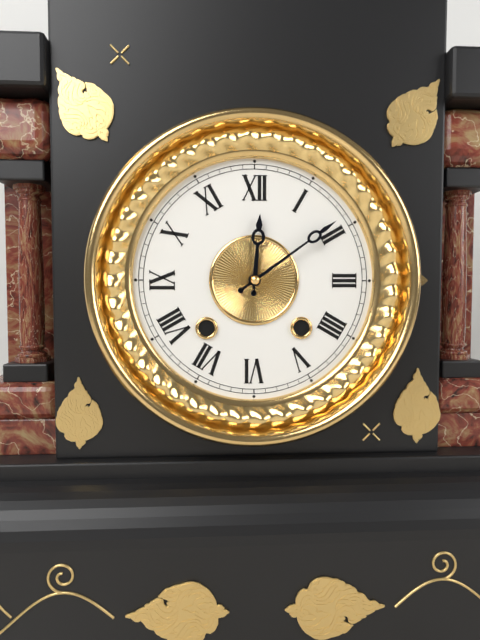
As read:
12,09
